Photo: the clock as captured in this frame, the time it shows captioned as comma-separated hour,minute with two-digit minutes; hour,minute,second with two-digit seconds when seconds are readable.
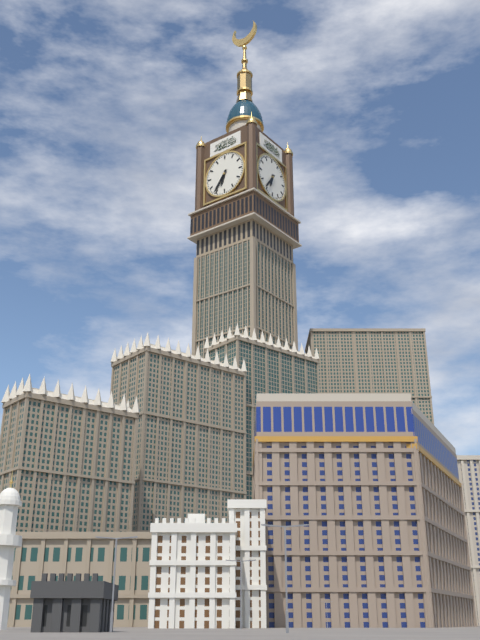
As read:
6,36
